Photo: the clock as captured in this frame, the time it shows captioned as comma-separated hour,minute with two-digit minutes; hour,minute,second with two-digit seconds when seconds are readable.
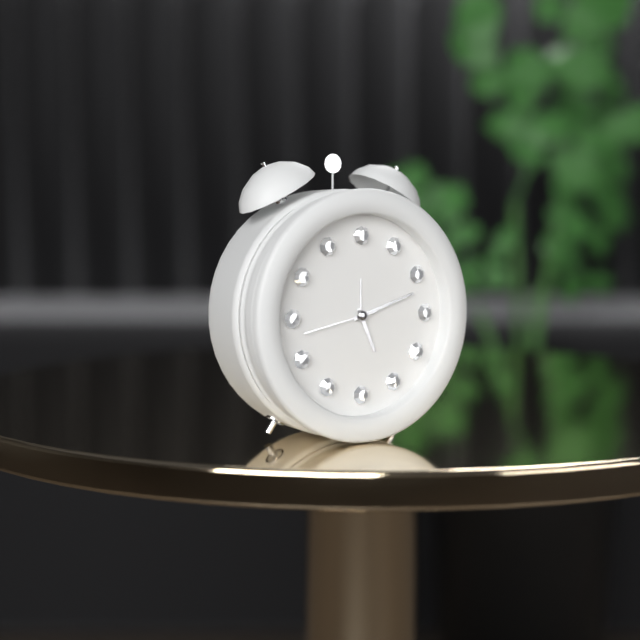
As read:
5,12,43
